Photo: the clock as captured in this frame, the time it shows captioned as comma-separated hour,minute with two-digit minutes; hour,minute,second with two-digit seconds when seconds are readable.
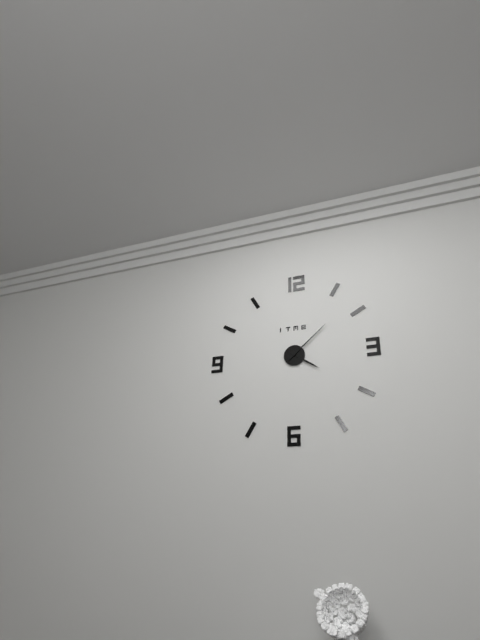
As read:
4,08
